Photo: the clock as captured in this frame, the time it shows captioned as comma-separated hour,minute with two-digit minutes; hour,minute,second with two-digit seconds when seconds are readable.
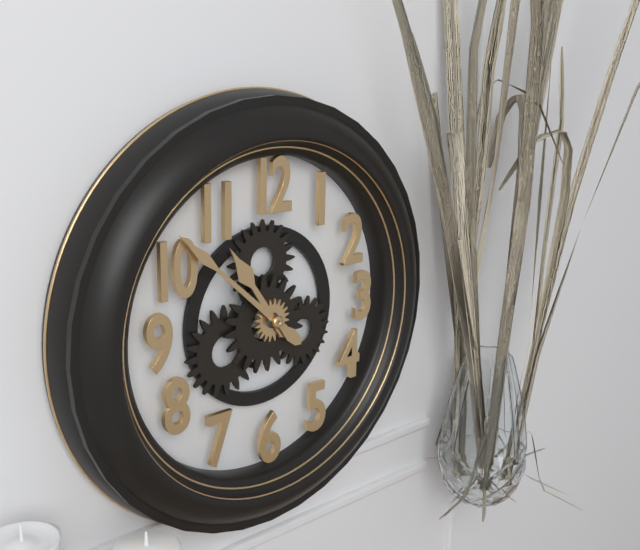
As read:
10,52
